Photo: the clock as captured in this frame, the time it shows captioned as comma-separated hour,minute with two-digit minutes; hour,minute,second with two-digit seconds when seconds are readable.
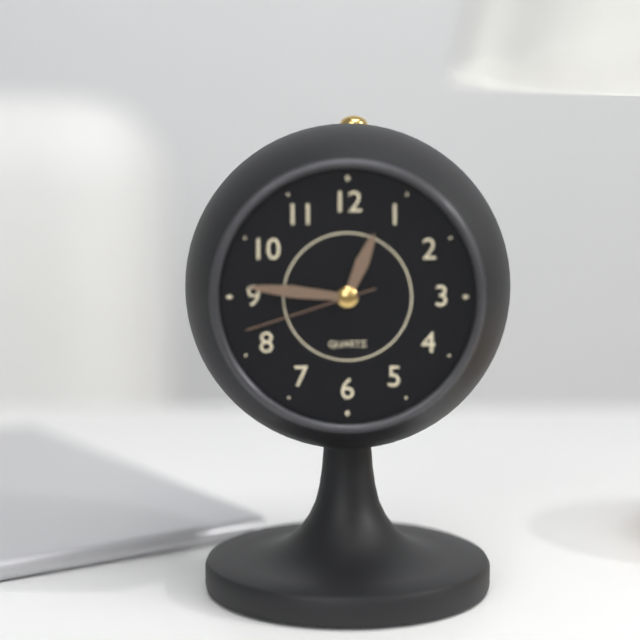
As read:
12,46,42
